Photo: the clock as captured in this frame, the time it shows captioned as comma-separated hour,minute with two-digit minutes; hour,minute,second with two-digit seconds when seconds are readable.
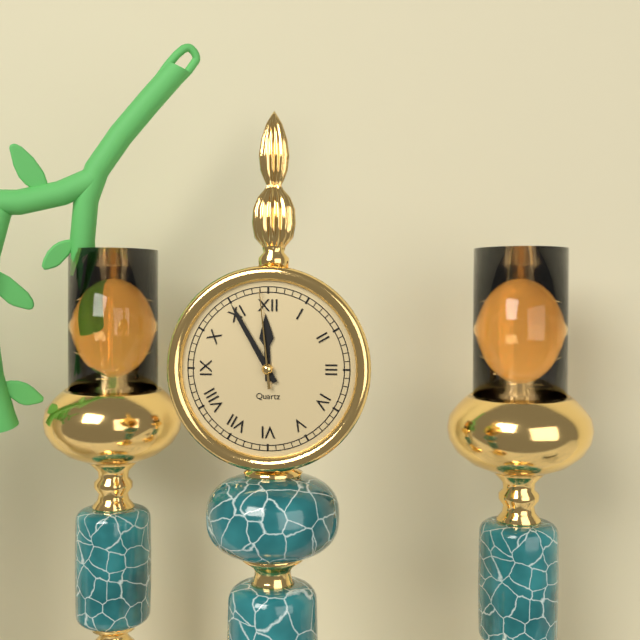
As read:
11,55,59
